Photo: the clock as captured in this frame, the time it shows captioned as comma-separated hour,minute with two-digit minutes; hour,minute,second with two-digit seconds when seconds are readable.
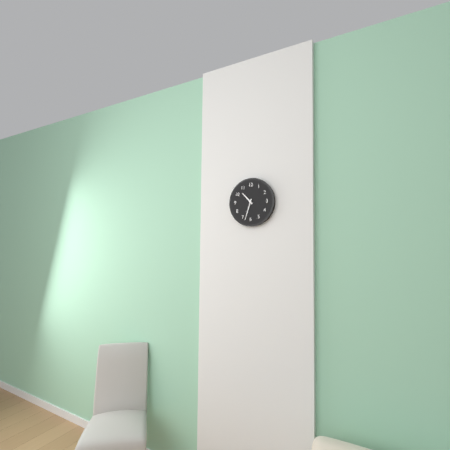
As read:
10,33
